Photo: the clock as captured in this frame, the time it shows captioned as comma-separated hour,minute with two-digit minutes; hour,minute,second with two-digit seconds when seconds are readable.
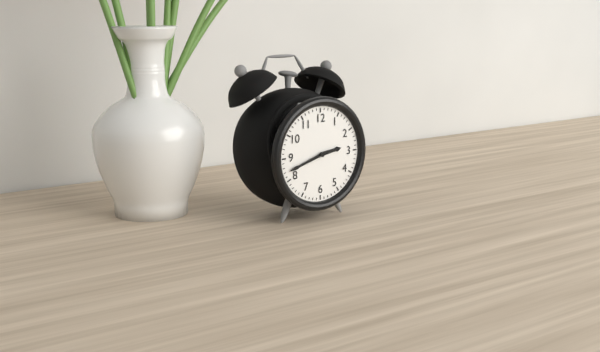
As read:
2,42
